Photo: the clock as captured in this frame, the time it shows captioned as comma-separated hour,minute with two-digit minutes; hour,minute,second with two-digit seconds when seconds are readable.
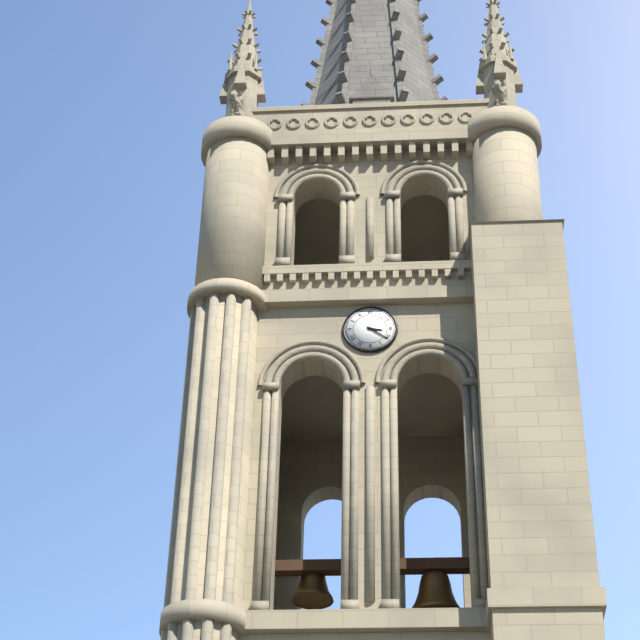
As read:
3,21
